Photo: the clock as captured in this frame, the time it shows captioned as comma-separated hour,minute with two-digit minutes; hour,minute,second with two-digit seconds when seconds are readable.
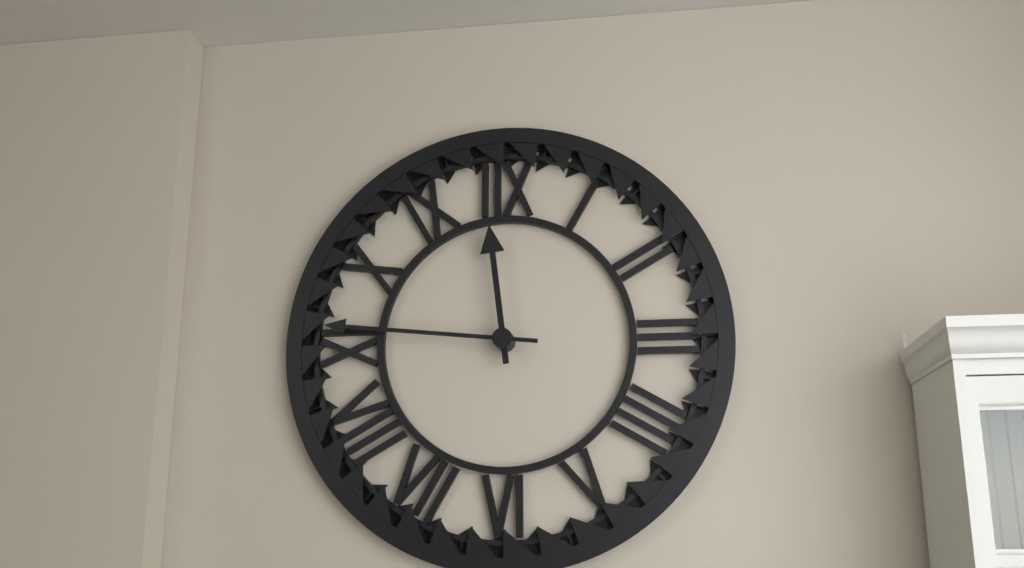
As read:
11,46
